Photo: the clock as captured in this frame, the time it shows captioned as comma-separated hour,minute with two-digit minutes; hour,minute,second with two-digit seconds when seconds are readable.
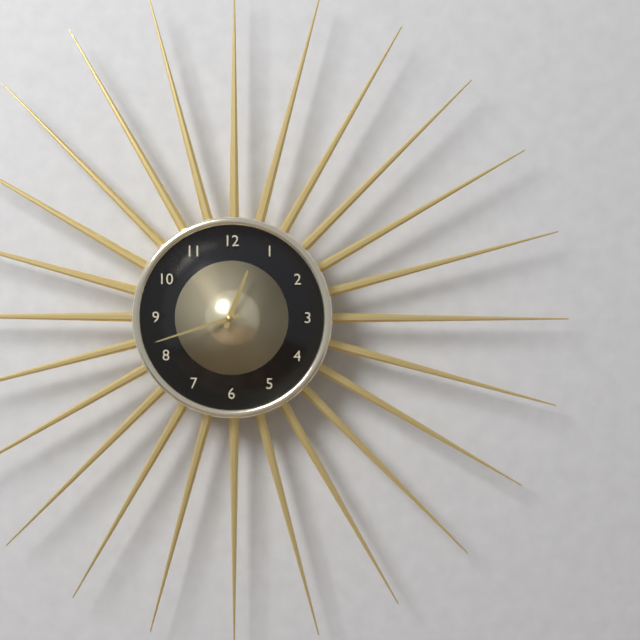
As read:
12,42
